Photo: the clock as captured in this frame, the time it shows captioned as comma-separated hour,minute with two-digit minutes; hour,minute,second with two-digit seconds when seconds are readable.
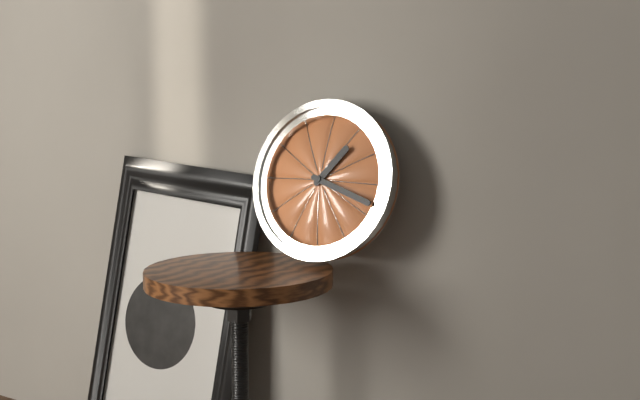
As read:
1,18
